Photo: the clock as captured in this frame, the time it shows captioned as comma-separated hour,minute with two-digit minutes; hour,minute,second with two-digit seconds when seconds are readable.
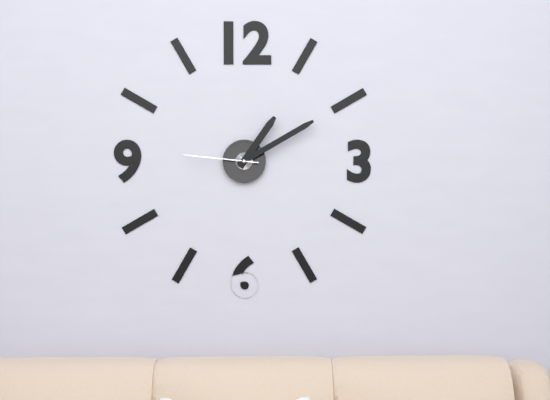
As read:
1,10,46
